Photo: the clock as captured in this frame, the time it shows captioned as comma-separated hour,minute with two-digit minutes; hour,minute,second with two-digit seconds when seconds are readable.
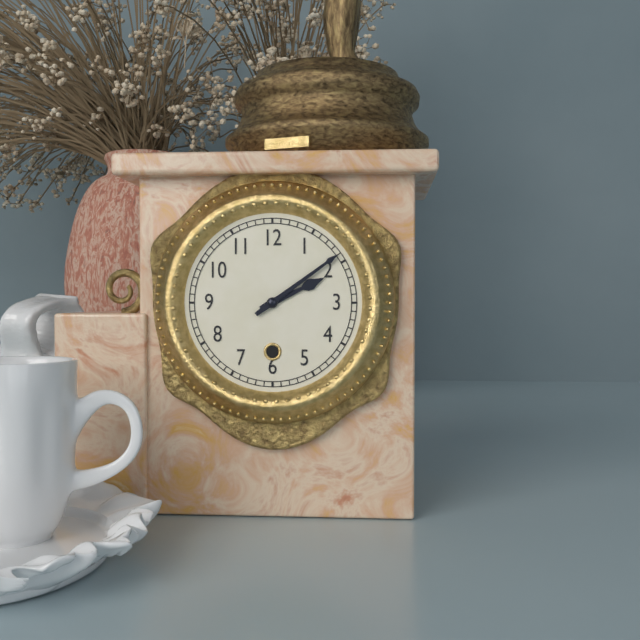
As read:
2,09
